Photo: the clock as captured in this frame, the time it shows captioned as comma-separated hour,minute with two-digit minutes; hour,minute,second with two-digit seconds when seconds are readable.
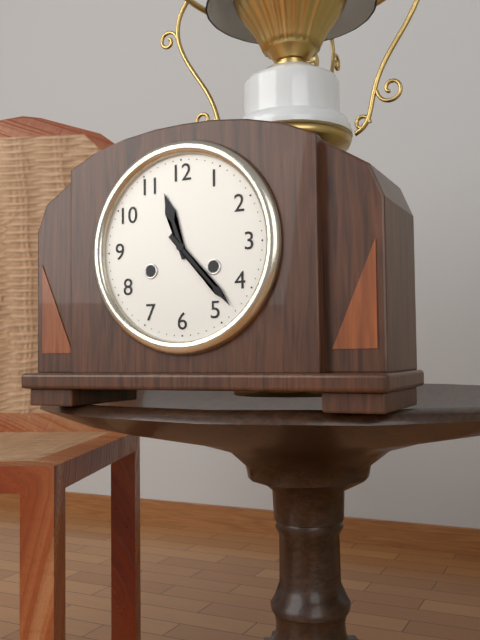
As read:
11,23
